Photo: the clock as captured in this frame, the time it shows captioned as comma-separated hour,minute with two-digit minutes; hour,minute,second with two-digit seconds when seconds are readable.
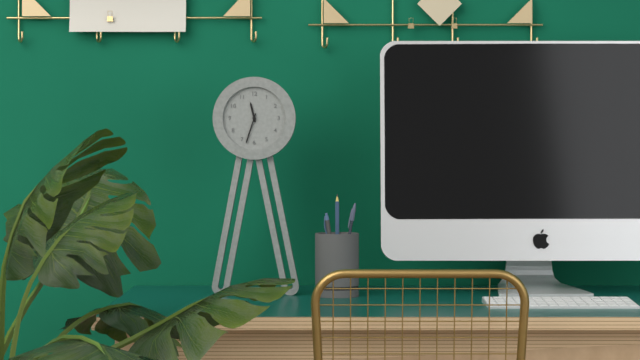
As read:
11,33
